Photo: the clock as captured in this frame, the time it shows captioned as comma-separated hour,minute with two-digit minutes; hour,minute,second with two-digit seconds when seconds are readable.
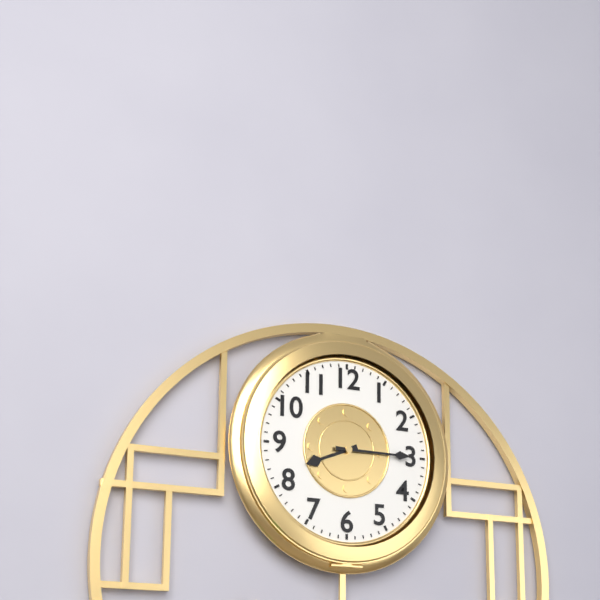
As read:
8,15
